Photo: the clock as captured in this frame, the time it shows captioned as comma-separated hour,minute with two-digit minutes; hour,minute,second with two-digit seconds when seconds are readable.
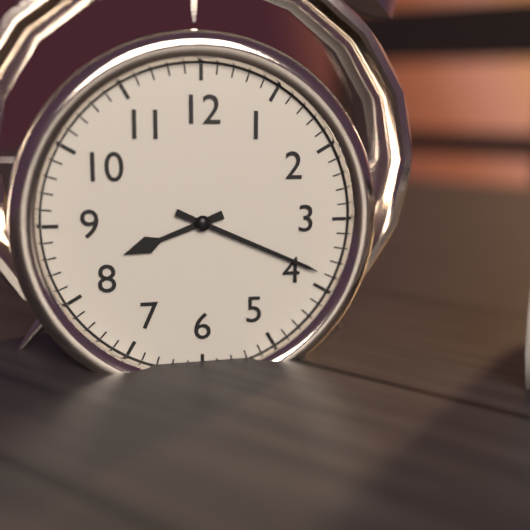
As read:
8,19
